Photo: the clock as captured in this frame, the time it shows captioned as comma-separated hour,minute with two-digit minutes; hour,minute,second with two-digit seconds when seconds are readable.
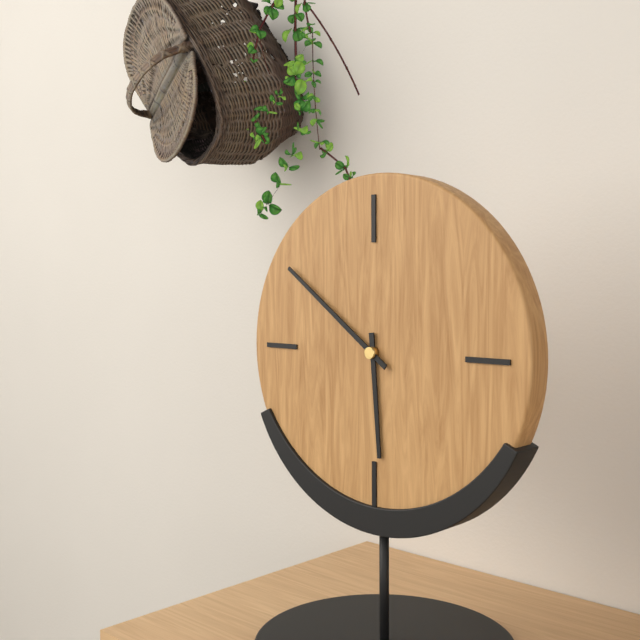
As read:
5,51
